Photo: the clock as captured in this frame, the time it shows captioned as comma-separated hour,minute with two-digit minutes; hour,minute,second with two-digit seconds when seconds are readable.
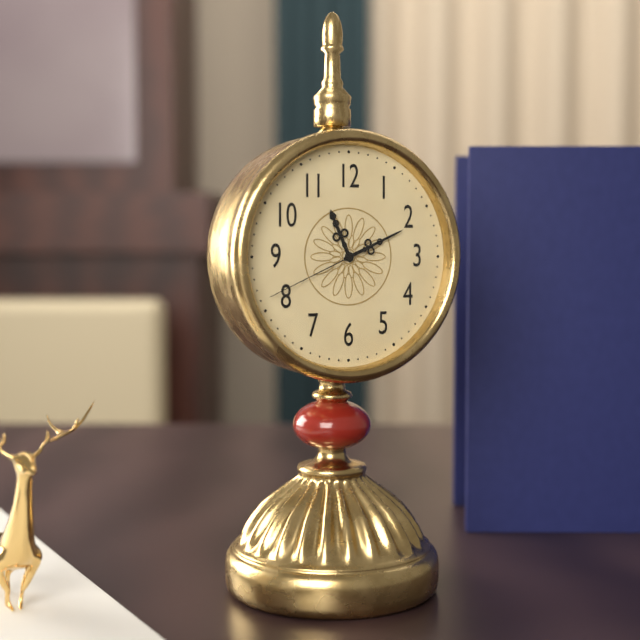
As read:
11,11,41
